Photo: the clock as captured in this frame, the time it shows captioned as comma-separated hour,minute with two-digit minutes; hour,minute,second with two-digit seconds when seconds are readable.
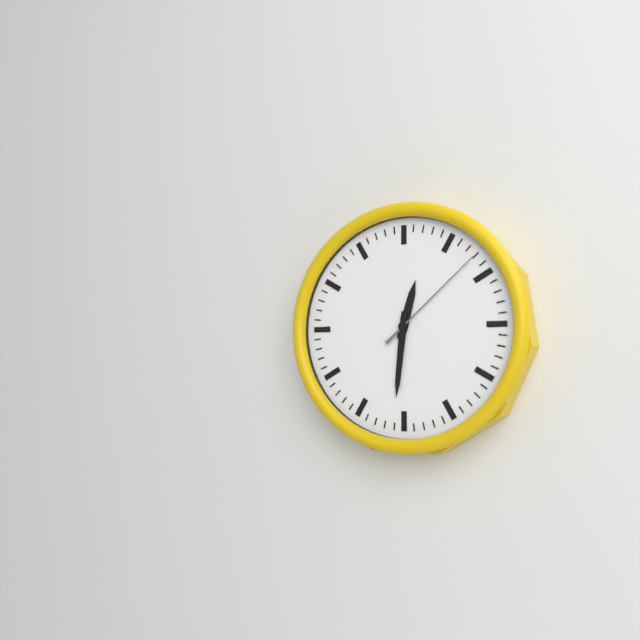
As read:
12,31,08
